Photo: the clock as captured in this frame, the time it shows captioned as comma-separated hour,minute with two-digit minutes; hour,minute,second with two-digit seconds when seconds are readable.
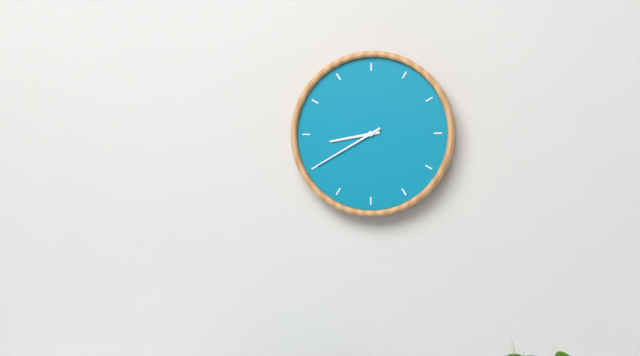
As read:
8,40
